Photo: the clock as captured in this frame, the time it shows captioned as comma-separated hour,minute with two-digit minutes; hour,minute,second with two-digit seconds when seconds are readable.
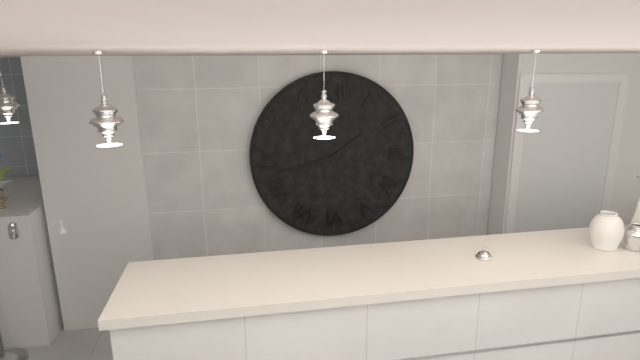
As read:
1,43
